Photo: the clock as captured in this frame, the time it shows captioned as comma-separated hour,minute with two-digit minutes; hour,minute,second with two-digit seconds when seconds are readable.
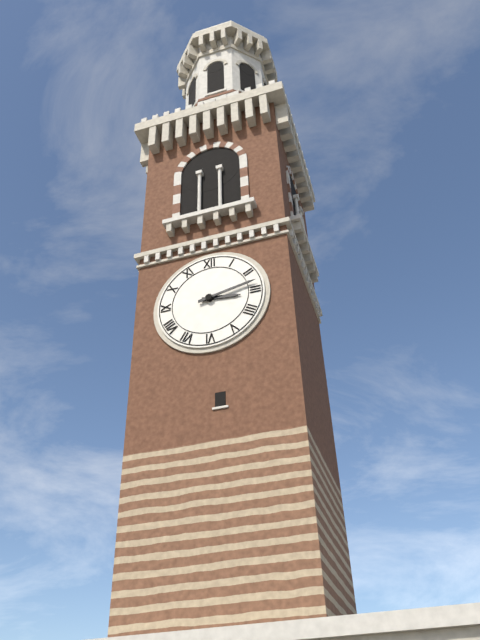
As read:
3,13
